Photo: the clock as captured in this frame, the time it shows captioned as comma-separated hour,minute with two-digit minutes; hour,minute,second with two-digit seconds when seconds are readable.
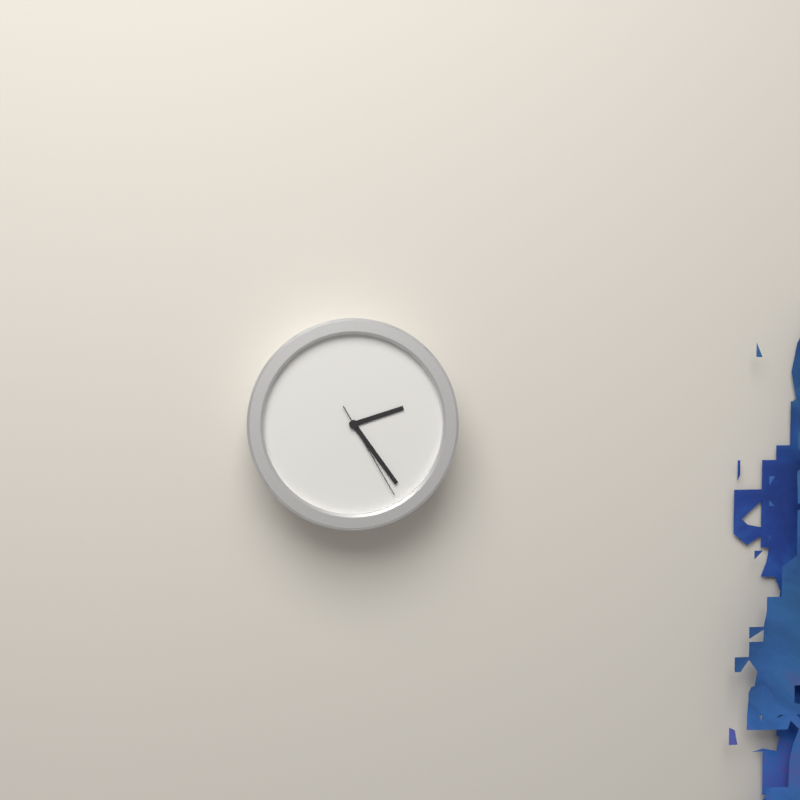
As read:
2,24,25
